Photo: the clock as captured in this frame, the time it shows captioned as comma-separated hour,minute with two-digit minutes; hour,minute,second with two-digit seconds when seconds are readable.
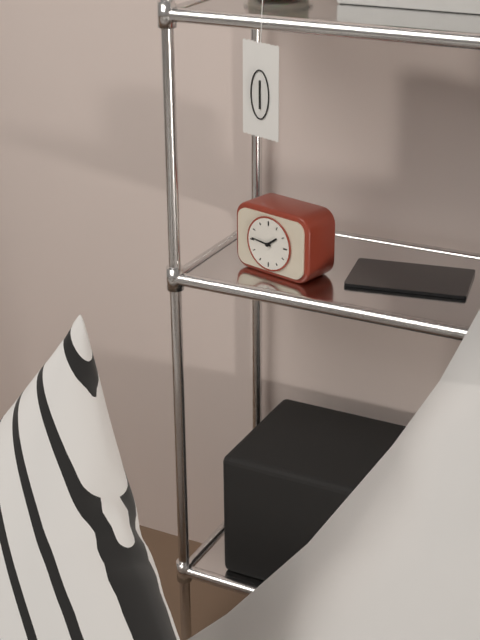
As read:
1,46
